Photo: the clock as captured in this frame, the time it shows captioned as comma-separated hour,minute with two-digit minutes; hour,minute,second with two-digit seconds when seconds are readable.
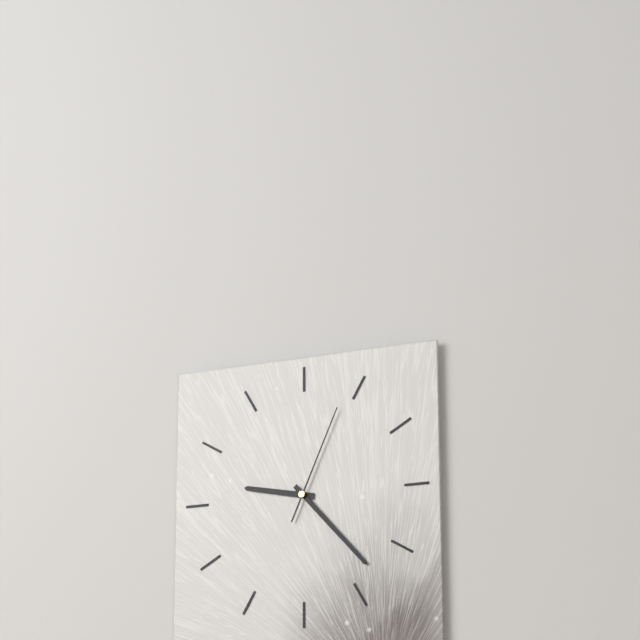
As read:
9,23,04
